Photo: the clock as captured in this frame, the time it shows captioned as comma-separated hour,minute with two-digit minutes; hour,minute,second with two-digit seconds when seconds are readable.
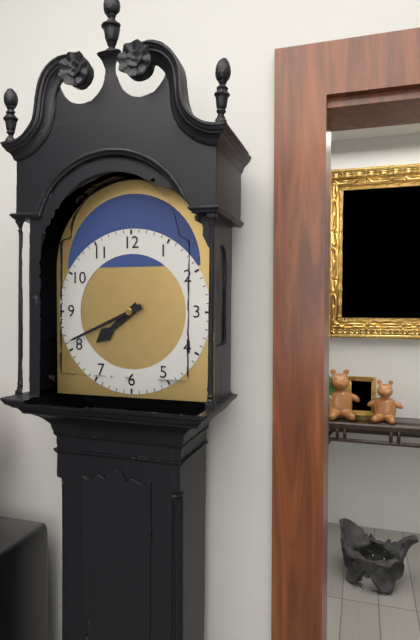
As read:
7,41
